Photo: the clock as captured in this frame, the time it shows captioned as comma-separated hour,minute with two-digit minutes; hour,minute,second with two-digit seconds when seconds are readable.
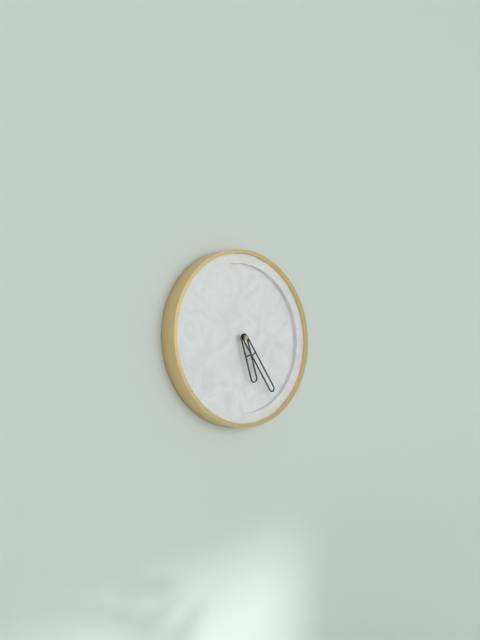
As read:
5,24
